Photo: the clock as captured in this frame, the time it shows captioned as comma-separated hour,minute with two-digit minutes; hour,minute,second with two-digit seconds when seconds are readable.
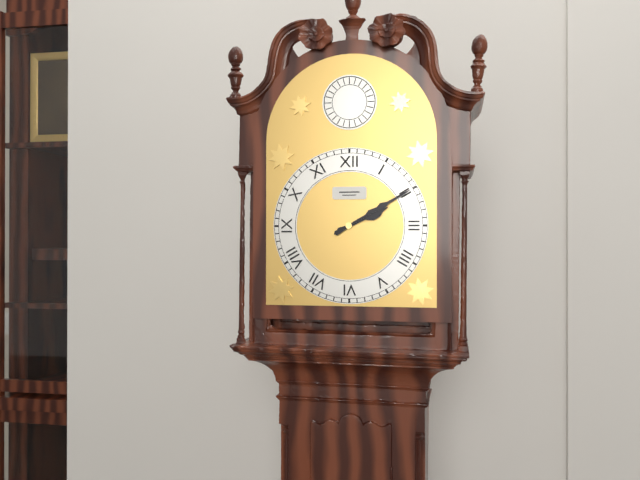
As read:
2,10
